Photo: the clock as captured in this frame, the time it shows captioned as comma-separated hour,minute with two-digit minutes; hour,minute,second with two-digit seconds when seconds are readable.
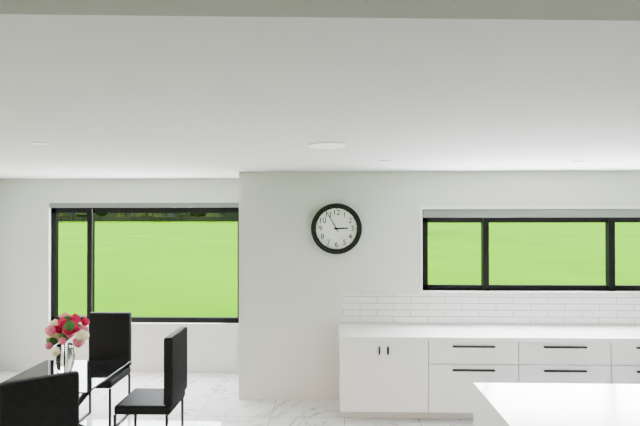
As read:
2,55
